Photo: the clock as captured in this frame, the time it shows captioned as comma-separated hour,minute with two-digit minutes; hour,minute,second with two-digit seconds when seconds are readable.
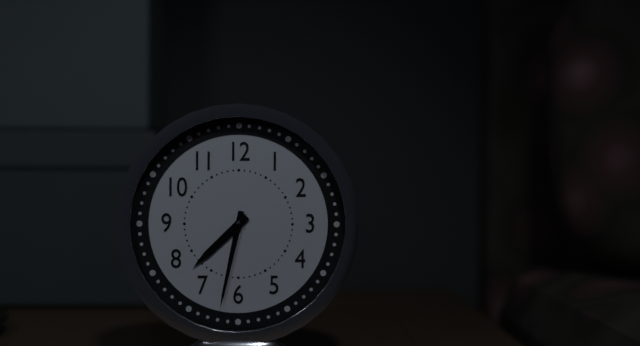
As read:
7,32
